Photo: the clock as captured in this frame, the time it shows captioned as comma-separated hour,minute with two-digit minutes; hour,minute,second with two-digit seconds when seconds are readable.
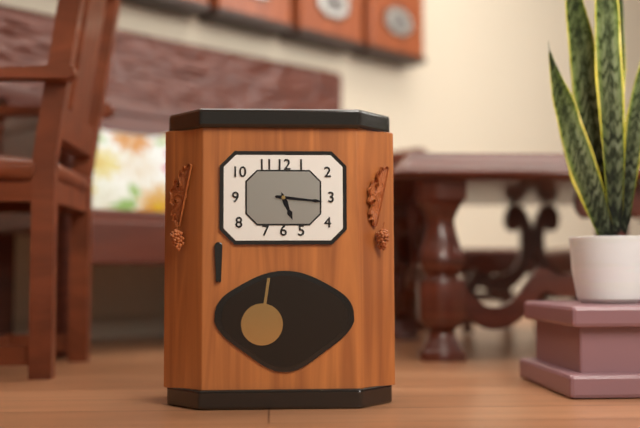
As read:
5,16
